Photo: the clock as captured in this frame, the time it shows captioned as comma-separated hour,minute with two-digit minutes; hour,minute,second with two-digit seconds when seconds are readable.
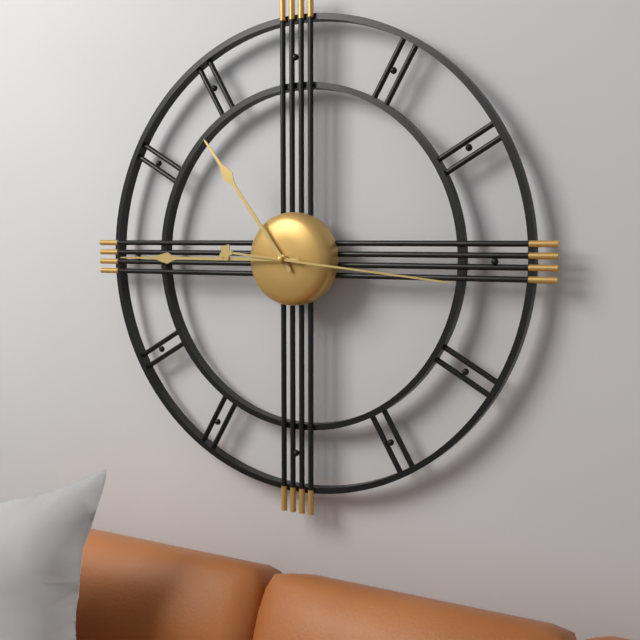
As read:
10,45,16
